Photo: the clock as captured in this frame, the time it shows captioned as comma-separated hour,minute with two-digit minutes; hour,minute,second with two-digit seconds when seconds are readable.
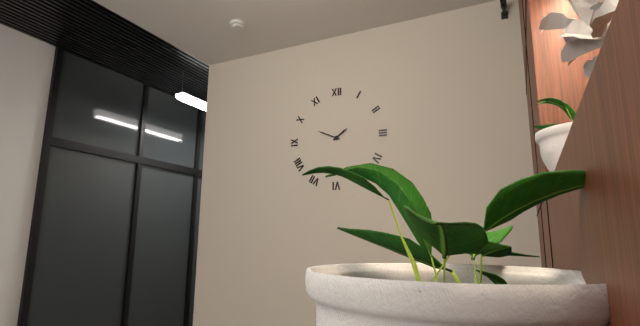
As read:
1,49
